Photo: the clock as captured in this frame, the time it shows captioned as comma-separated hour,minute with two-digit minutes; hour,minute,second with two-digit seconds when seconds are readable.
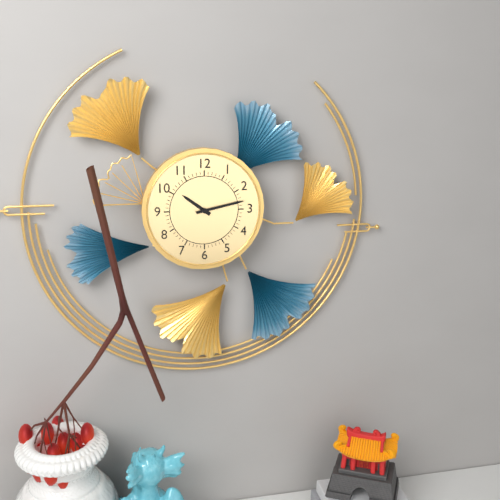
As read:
10,13
